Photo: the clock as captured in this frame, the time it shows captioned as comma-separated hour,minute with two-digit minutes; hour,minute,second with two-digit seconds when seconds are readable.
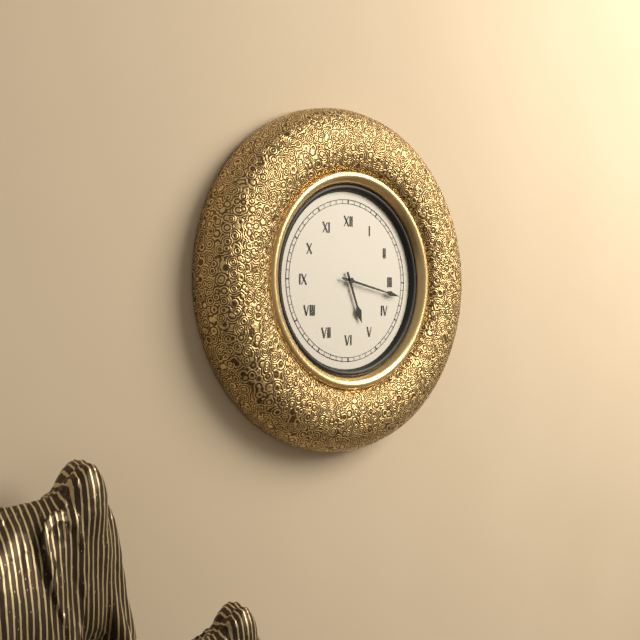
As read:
5,17
